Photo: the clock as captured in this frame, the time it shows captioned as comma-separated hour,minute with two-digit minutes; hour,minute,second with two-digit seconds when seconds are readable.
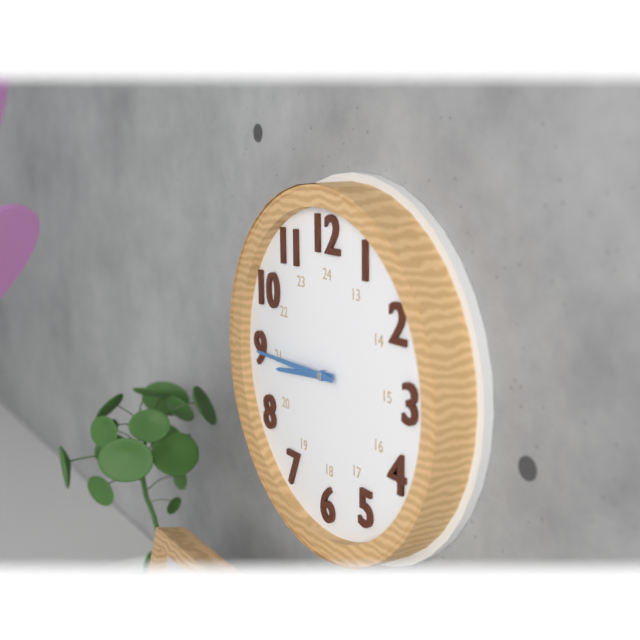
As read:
8,45
